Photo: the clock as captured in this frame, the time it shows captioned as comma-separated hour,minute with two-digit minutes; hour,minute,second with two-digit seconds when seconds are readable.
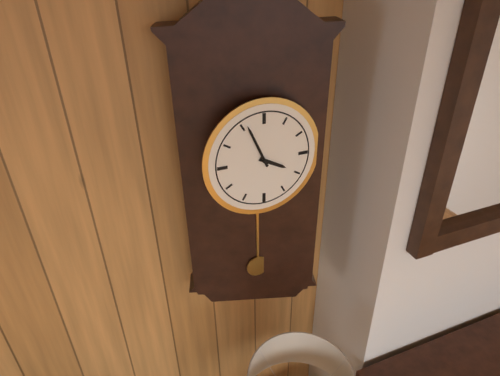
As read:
3,56
